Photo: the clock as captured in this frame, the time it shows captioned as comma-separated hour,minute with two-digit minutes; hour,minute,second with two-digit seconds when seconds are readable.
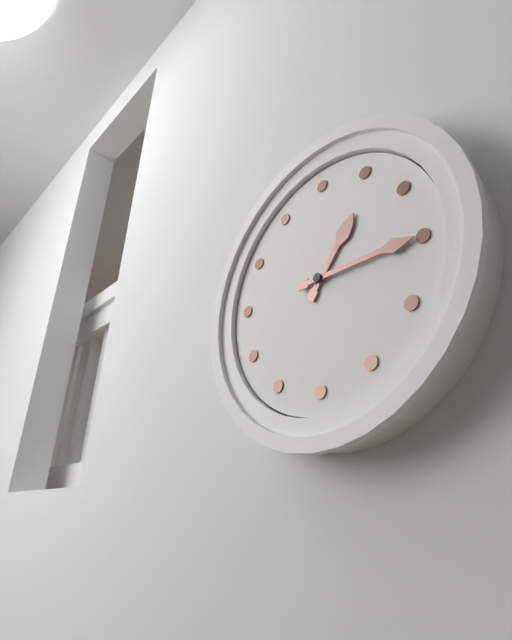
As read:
1,15
